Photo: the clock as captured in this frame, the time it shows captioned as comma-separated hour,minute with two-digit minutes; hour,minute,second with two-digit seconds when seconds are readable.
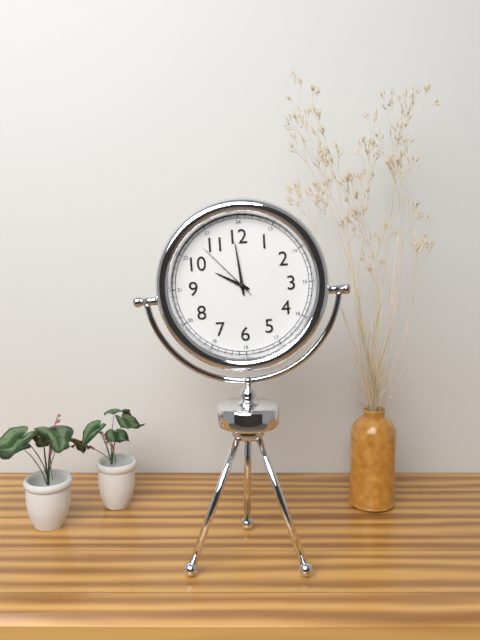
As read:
9,59,53
